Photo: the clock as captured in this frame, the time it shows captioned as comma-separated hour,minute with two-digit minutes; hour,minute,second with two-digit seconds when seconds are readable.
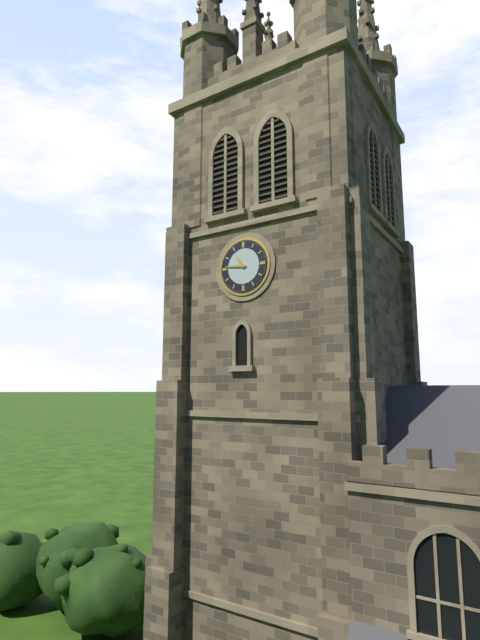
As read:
10,46
